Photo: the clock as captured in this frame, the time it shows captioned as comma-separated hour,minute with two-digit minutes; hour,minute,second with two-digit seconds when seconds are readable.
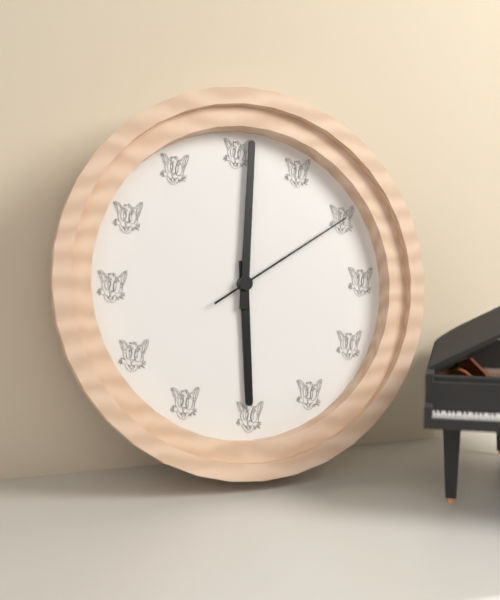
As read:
6,01,10
